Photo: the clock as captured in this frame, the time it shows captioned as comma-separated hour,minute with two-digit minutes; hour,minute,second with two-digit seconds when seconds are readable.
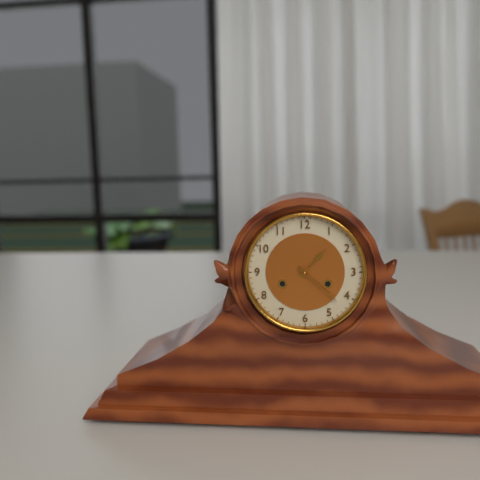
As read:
1,22
